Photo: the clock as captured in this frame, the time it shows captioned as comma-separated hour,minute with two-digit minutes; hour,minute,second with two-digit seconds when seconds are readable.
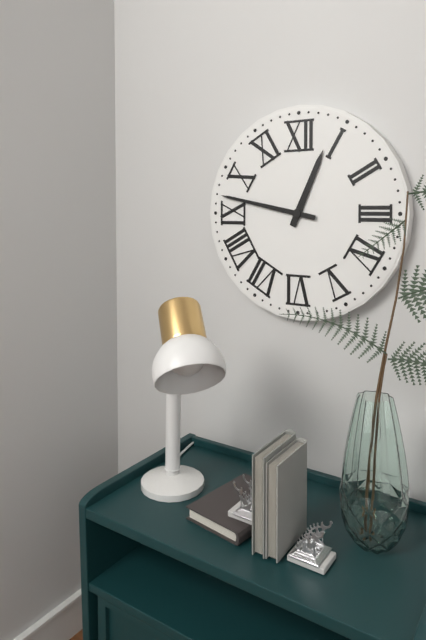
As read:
12,47
